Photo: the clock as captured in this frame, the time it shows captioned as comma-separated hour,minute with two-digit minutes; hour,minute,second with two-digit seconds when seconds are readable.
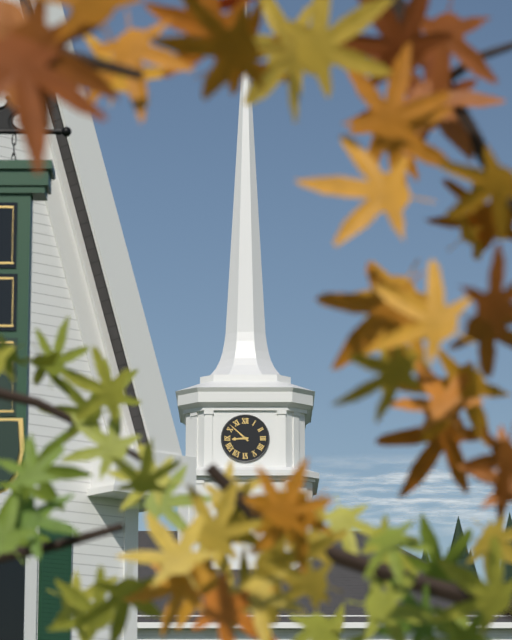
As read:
8,52
